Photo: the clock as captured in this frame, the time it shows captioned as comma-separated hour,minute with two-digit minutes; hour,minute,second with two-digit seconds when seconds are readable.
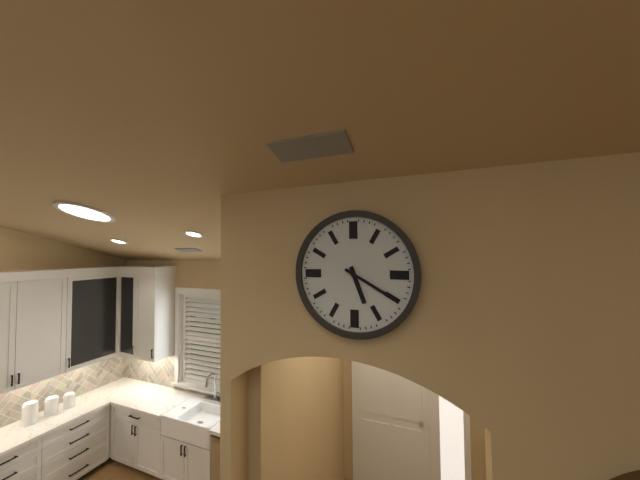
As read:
5,20
